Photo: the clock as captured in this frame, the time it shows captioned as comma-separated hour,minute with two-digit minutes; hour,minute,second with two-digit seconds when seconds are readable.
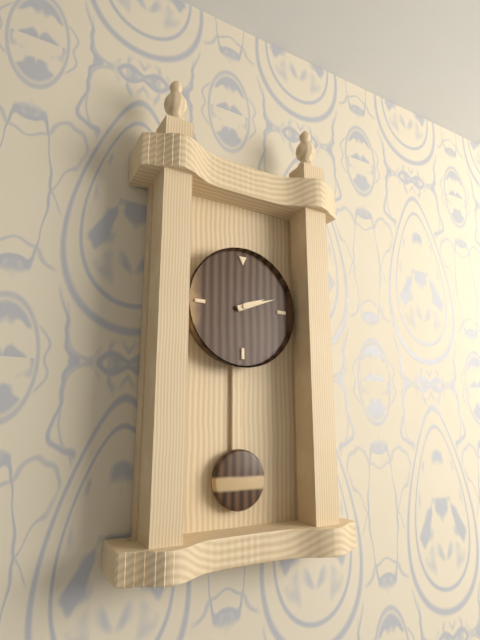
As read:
2,12
